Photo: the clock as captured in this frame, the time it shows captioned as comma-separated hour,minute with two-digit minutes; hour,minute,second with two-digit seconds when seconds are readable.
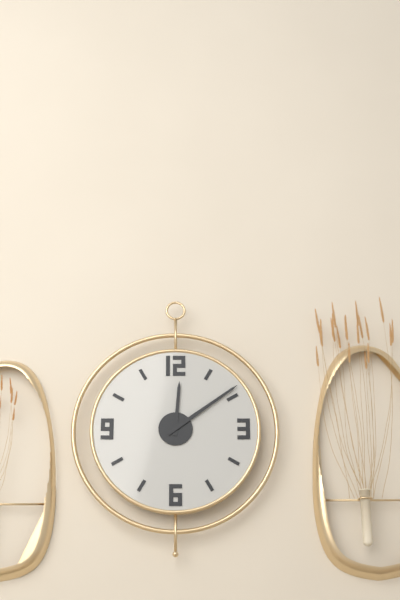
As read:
12,09
